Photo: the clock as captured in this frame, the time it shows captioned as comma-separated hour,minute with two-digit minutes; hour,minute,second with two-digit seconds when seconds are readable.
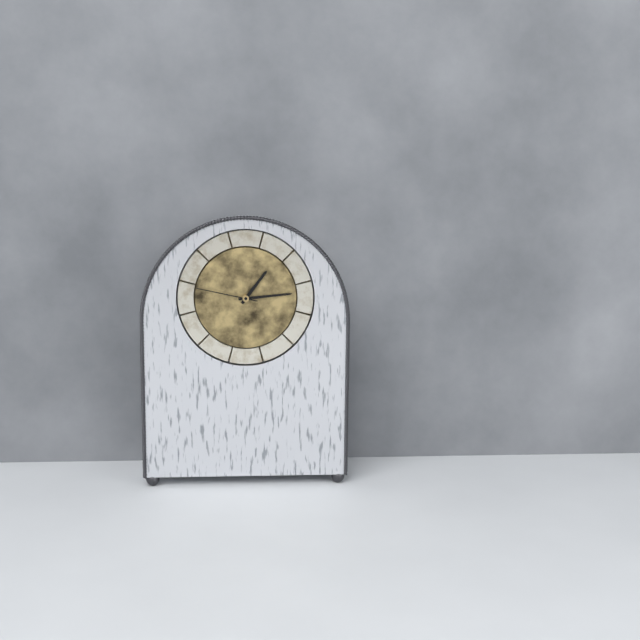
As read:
1,14,47
